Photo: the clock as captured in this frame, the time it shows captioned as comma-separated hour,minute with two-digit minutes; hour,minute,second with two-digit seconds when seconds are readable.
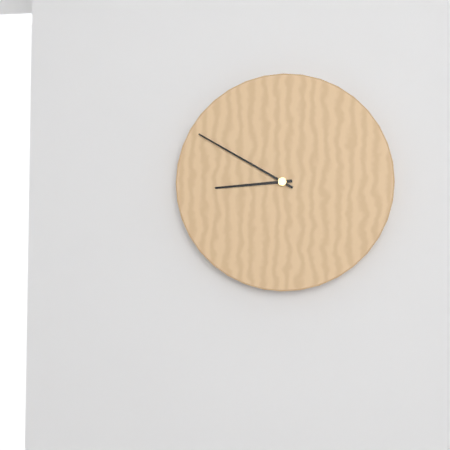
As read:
8,50
